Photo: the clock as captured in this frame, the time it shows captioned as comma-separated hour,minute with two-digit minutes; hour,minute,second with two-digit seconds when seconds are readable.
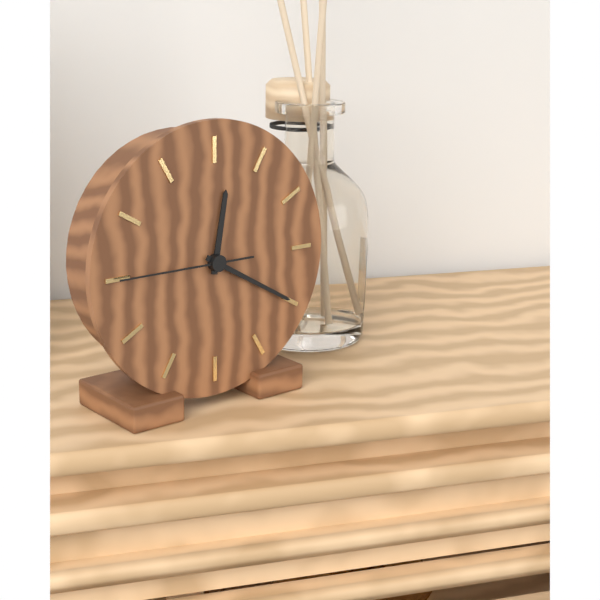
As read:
12,20,45
